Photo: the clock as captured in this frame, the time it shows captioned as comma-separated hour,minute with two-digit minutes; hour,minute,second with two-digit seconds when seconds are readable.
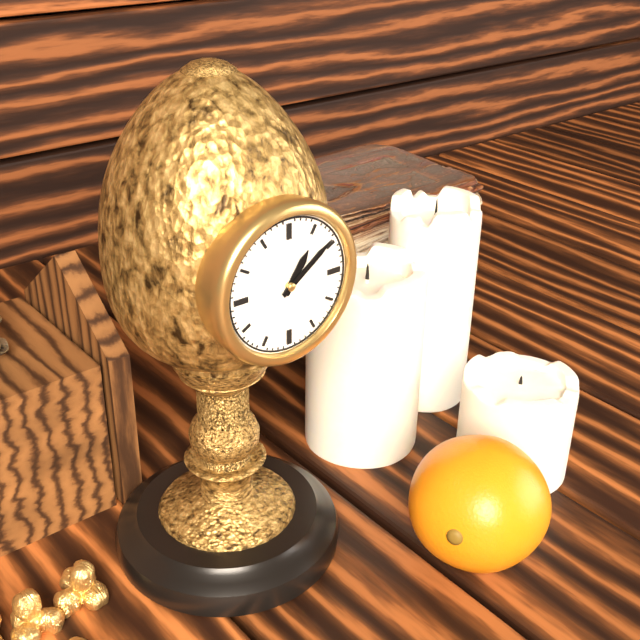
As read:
1,09
